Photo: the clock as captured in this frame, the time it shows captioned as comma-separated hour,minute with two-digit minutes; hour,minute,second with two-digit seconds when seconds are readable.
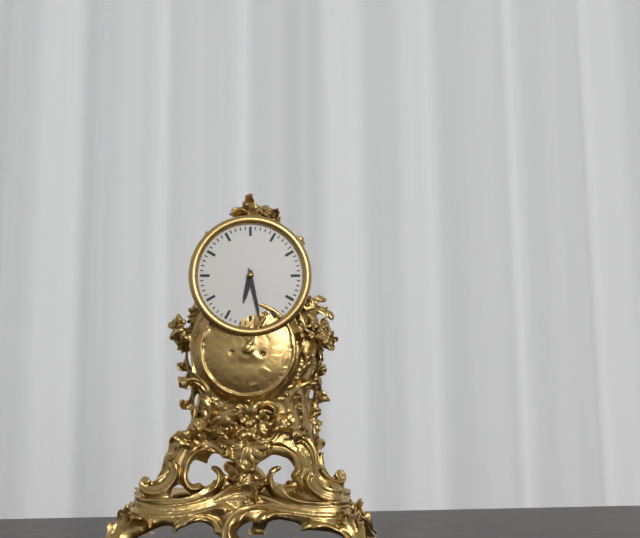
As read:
6,28
